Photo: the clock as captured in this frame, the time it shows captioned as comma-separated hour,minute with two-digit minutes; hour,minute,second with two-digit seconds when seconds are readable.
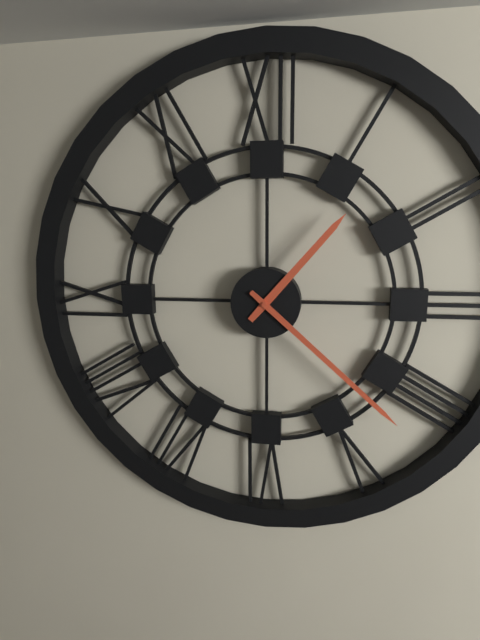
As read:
1,22
